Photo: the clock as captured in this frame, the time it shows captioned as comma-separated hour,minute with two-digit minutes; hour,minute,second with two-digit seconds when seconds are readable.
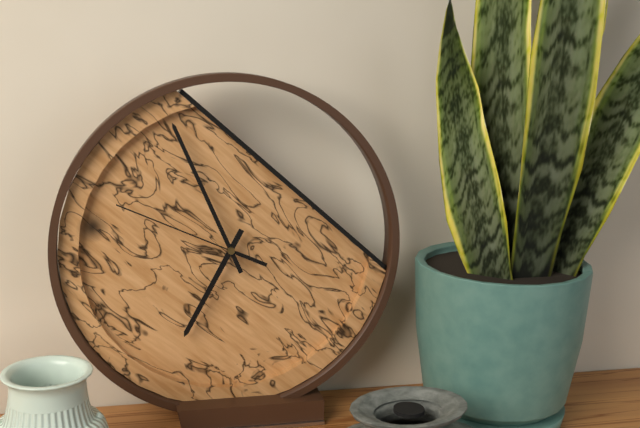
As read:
6,56,49
